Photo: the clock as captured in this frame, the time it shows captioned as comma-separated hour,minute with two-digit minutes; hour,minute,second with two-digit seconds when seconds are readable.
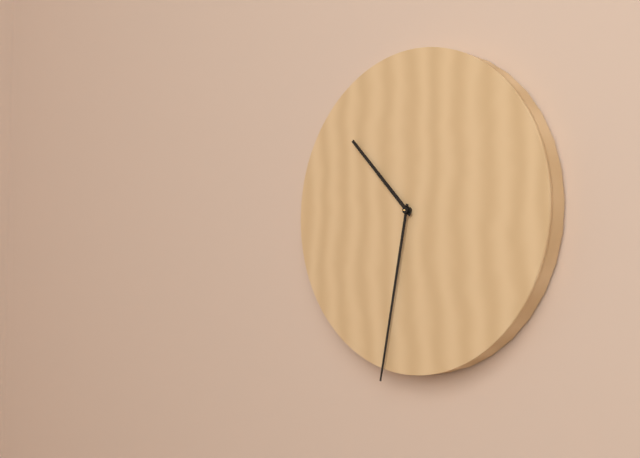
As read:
10,32
